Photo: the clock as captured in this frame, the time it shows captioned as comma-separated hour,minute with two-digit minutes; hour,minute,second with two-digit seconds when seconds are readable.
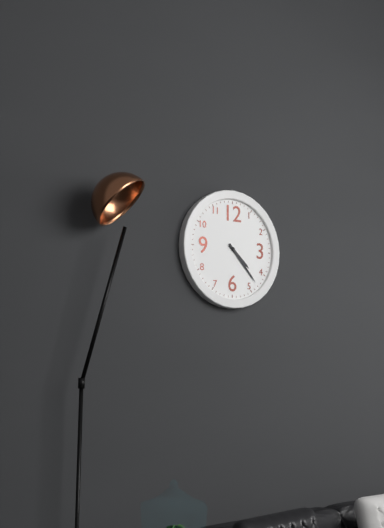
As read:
4,23
